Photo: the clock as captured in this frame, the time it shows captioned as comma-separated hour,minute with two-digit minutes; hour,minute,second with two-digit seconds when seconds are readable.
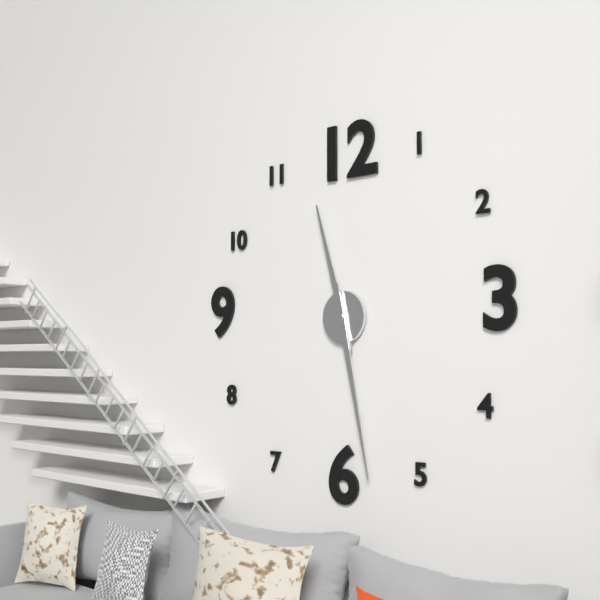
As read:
11,28
